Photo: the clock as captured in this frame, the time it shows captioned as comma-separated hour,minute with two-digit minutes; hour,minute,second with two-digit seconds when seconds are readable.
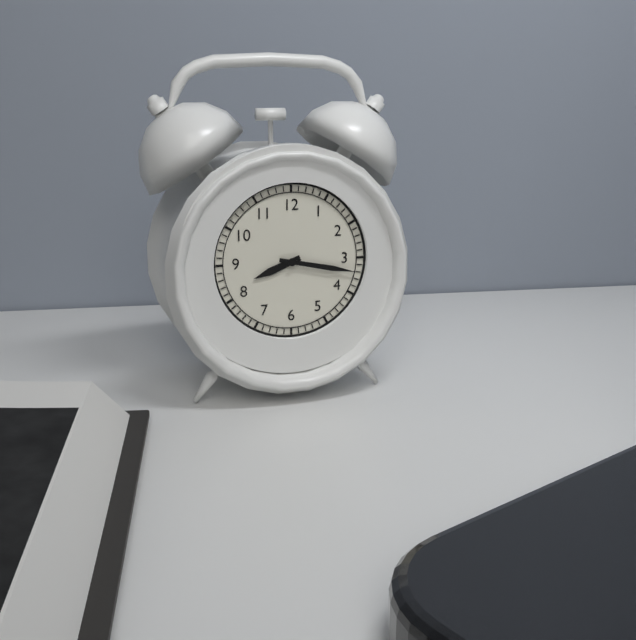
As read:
8,17
